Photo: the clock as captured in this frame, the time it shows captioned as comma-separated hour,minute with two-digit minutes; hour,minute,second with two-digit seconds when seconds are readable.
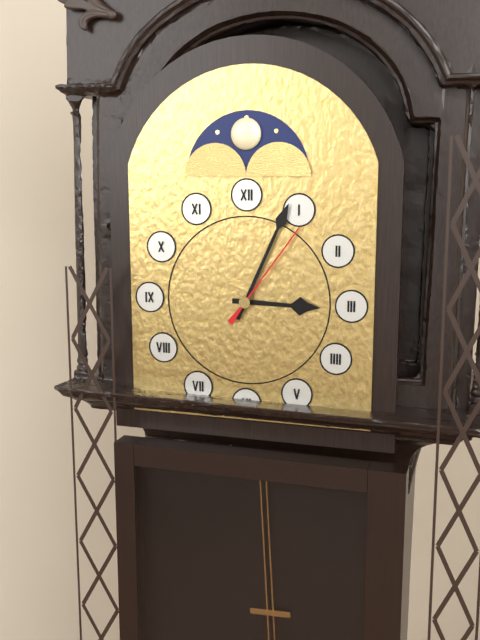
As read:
3,04,06
